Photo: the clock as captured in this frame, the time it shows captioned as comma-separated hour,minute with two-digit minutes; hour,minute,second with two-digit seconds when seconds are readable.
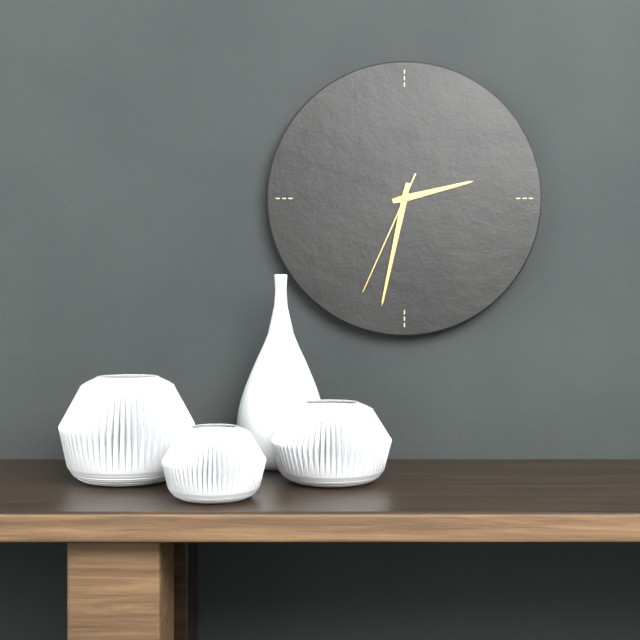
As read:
2,32,34
